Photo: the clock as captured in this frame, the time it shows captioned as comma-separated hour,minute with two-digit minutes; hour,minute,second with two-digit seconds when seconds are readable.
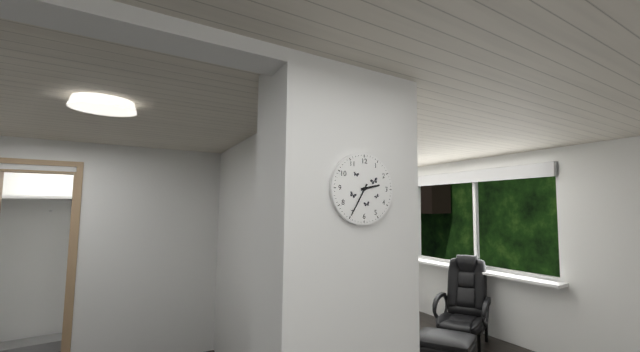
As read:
2,35
